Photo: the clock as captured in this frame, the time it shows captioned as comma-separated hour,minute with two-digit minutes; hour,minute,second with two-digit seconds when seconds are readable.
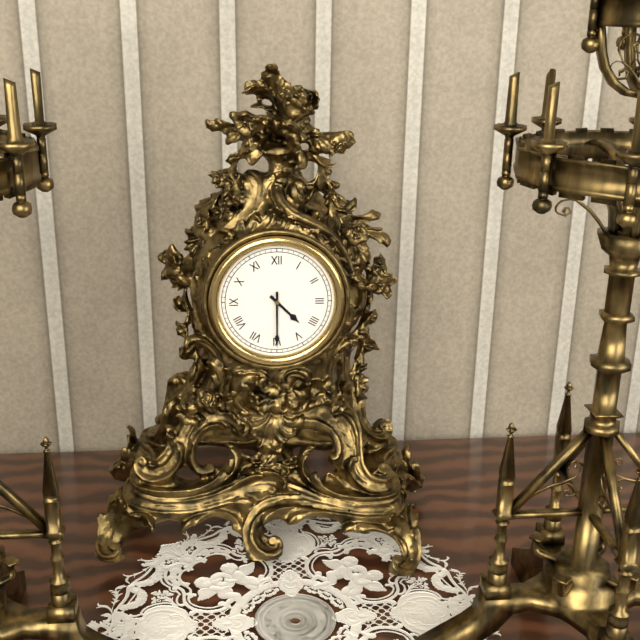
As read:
4,30
